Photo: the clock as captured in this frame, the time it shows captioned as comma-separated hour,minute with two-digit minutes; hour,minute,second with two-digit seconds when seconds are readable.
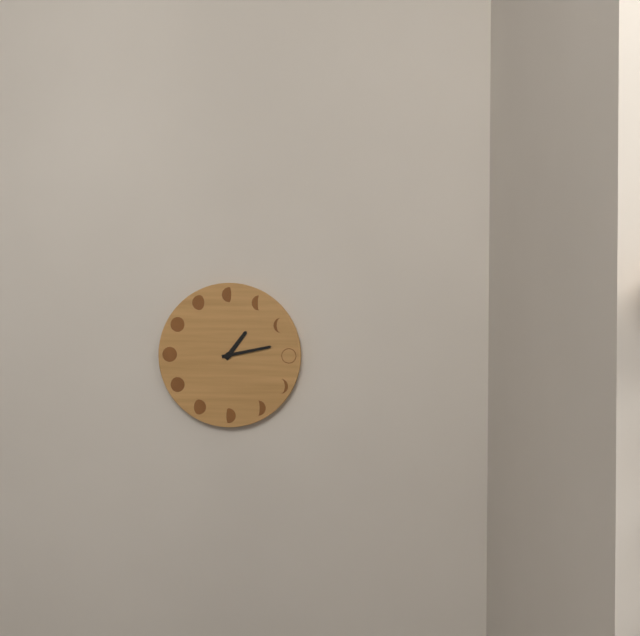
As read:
1,13
